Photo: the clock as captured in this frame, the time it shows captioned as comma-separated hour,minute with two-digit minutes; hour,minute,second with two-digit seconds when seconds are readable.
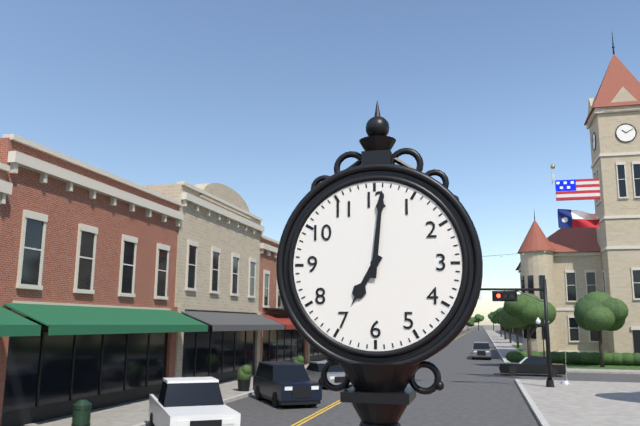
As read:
7,01
